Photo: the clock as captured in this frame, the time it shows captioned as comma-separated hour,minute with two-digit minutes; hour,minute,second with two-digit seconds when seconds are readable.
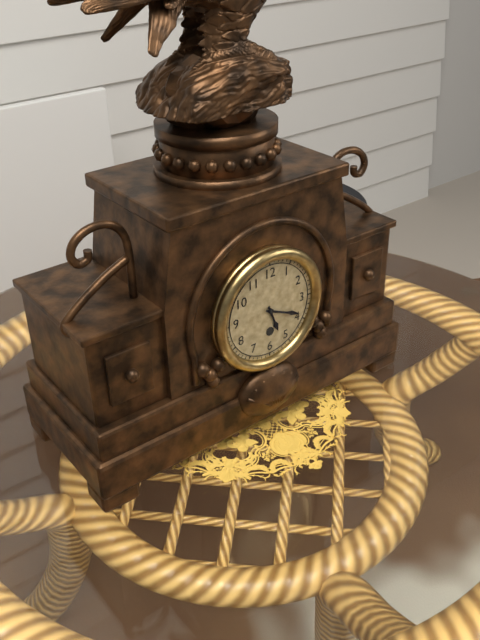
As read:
5,19
